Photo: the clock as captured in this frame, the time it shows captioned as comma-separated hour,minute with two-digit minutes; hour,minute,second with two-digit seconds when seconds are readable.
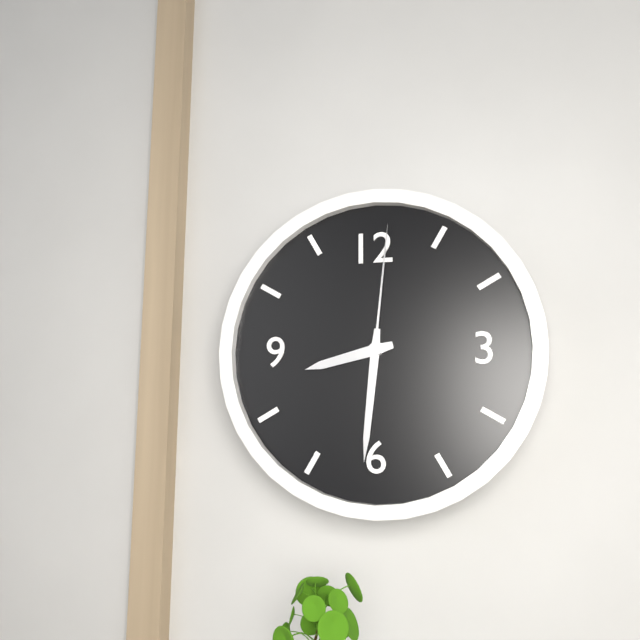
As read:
8,31,01
